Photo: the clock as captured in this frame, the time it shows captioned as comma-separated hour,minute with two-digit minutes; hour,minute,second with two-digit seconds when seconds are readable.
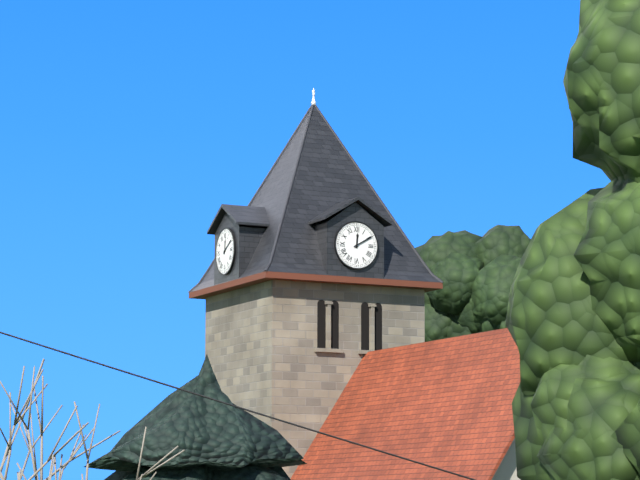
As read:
12,10
